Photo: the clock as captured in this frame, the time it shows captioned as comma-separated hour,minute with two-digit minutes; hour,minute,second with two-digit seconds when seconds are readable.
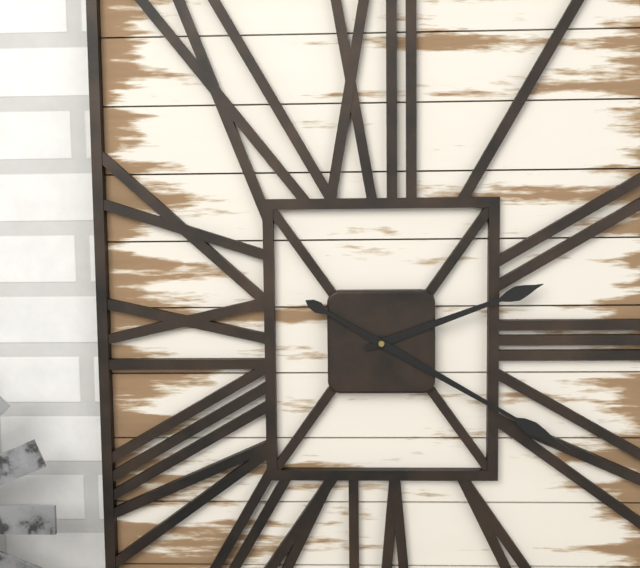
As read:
2,20
